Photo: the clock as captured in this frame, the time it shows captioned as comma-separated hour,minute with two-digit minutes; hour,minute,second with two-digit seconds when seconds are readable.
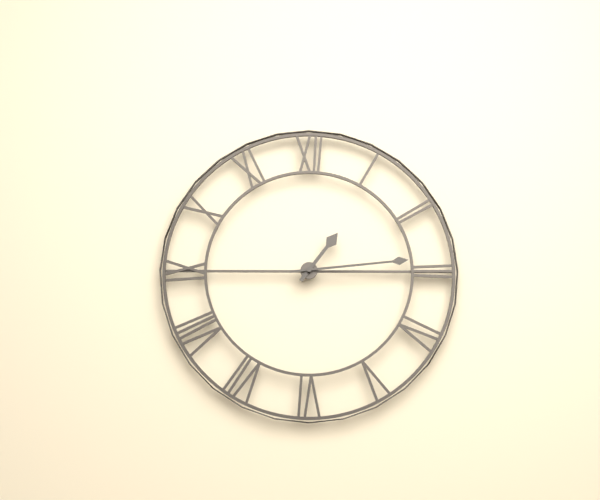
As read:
1,14
